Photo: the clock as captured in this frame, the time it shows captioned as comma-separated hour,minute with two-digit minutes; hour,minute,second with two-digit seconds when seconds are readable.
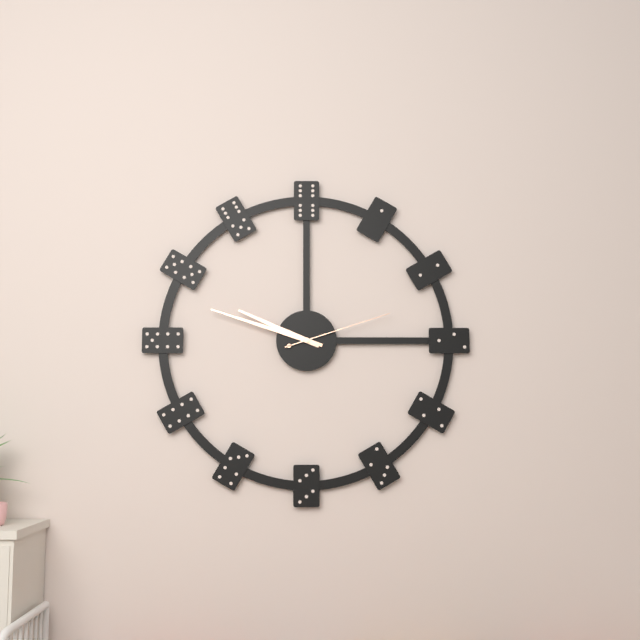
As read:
9,48,12
